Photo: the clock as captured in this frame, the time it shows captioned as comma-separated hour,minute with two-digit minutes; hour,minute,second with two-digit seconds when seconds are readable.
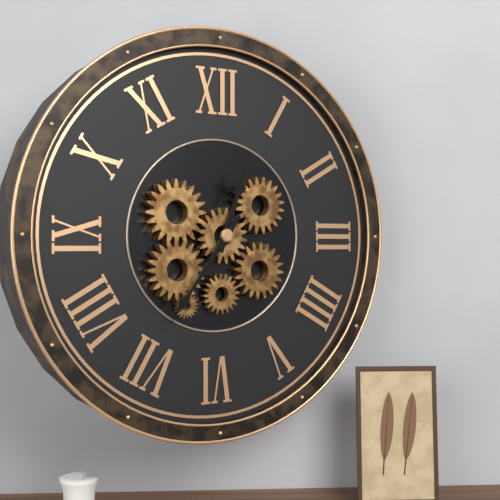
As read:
12,36
